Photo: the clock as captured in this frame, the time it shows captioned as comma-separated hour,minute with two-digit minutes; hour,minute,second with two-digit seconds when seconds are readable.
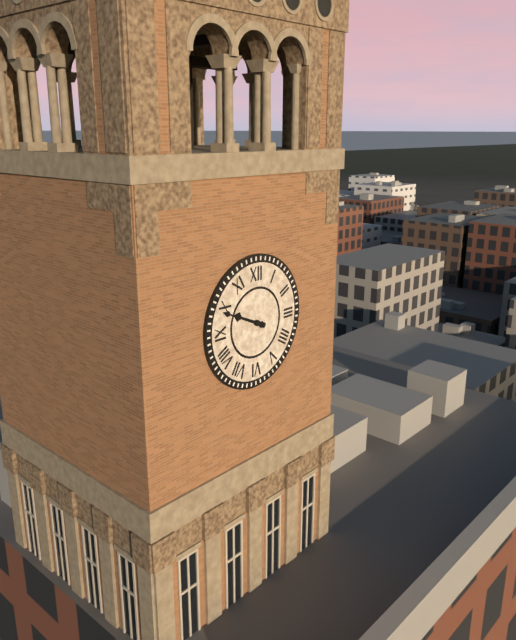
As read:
9,49
